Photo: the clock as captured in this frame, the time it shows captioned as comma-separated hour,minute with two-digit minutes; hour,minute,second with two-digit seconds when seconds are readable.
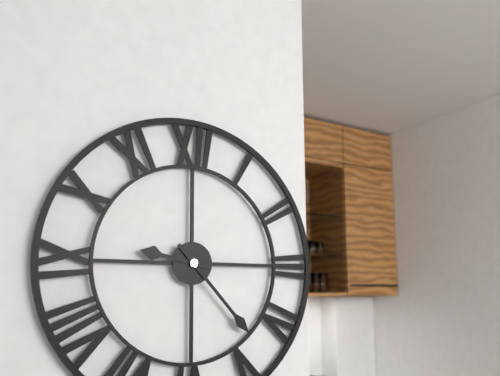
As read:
9,23
